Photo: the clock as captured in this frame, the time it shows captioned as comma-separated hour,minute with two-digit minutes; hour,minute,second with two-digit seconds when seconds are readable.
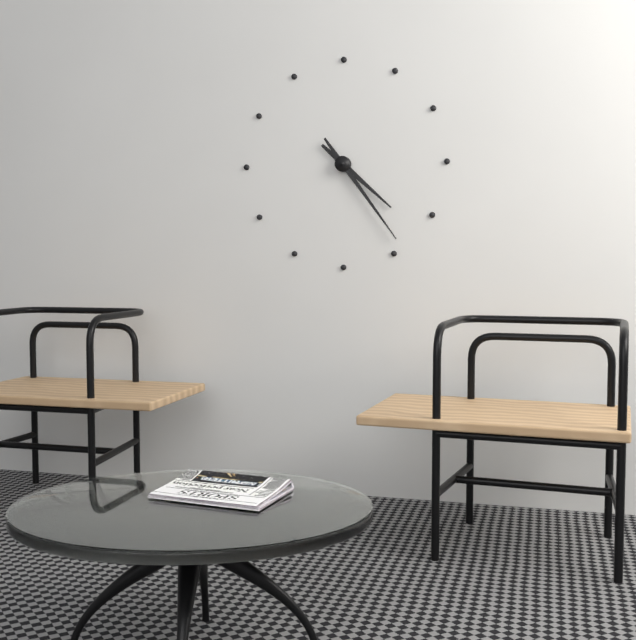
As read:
4,24
